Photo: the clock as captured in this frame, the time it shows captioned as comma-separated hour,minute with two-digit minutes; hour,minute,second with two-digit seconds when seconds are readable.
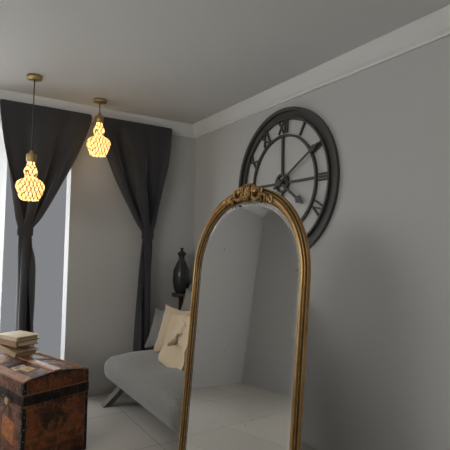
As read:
4,10
